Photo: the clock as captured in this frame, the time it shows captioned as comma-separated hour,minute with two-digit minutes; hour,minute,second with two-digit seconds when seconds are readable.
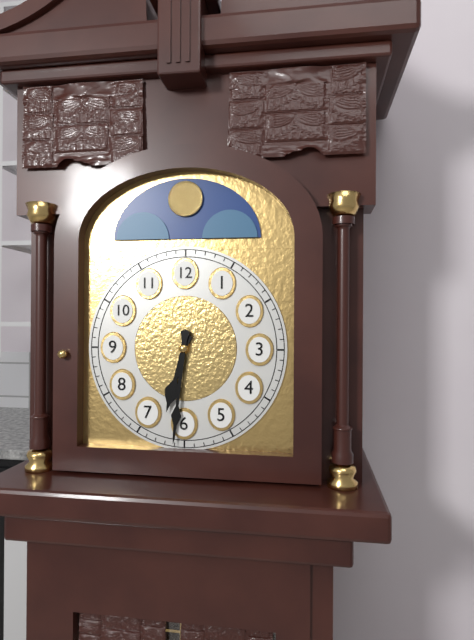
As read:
6,31
